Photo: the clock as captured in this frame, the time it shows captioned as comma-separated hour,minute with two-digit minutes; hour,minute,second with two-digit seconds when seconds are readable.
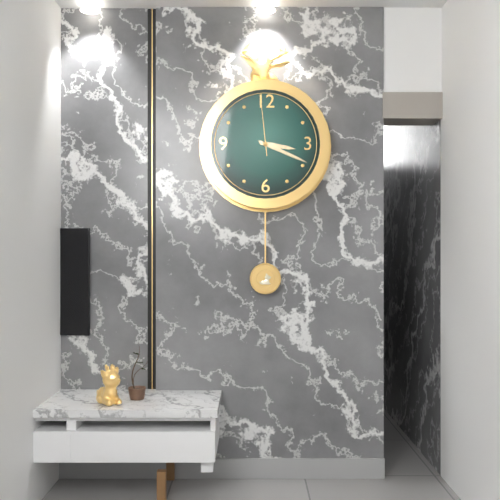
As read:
3,19,59
